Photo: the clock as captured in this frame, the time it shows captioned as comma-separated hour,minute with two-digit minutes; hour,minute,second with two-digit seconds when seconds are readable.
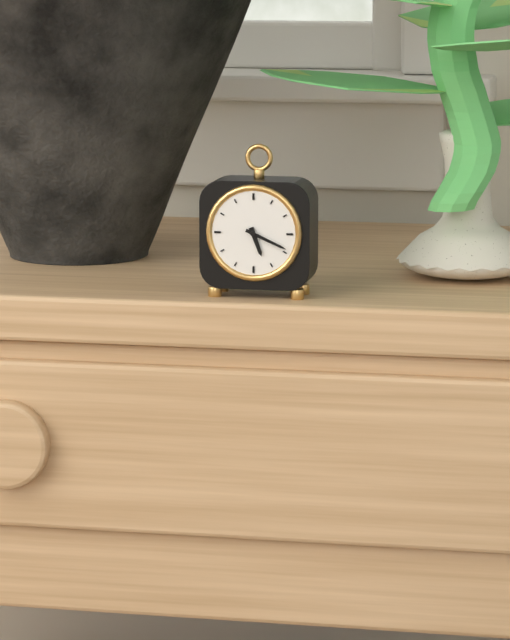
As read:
5,19
